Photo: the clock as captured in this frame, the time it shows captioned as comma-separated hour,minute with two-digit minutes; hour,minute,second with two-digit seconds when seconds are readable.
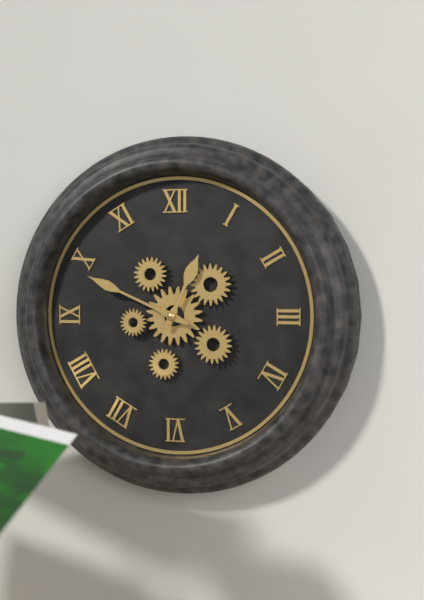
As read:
12,49
